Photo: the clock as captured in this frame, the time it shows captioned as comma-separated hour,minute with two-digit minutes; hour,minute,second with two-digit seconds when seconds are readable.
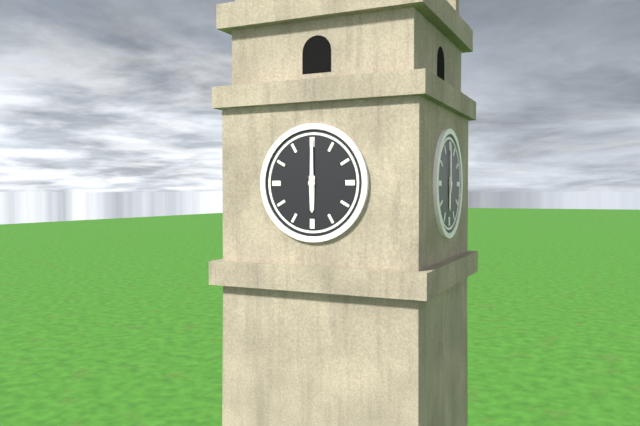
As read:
6,00
